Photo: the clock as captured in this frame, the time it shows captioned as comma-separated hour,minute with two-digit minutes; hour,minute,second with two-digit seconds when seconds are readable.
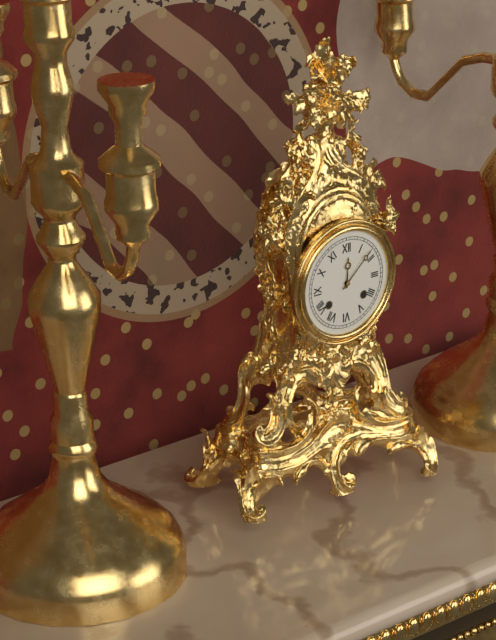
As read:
12,08
